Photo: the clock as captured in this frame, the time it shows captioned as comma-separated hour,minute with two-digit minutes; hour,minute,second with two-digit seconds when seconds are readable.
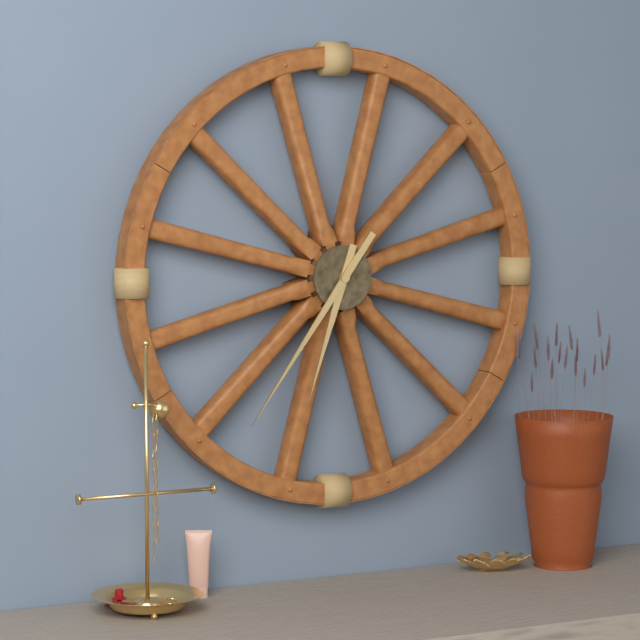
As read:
6,36
